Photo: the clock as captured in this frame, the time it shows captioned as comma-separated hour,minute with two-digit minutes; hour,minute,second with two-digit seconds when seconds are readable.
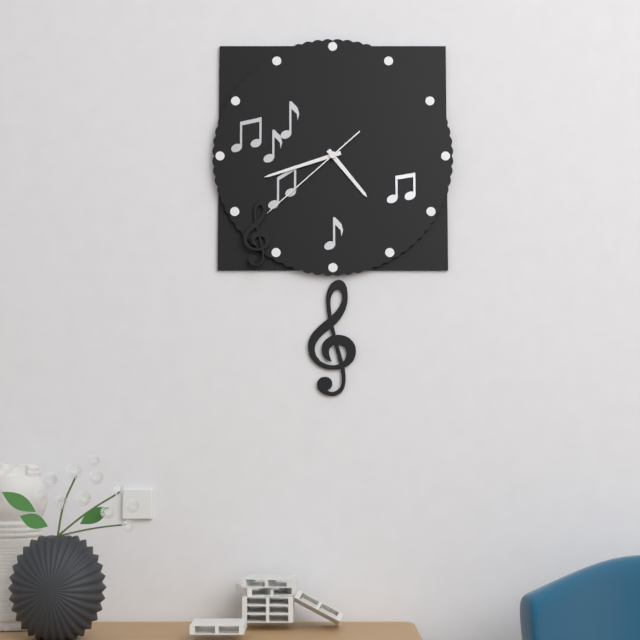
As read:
4,42,38
